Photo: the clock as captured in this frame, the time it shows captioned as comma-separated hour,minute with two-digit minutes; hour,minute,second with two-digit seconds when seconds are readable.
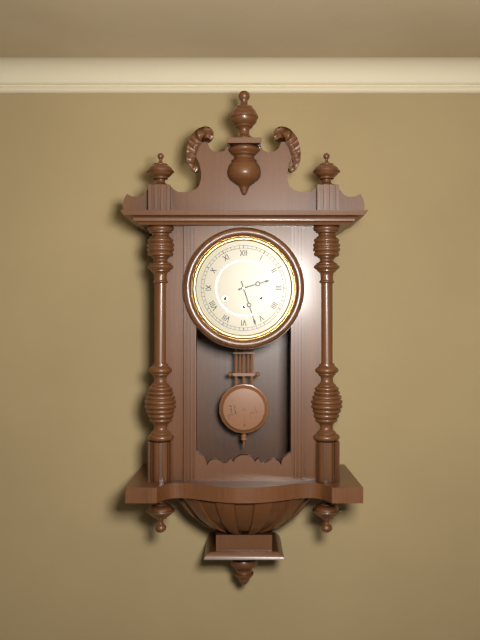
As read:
2,27
